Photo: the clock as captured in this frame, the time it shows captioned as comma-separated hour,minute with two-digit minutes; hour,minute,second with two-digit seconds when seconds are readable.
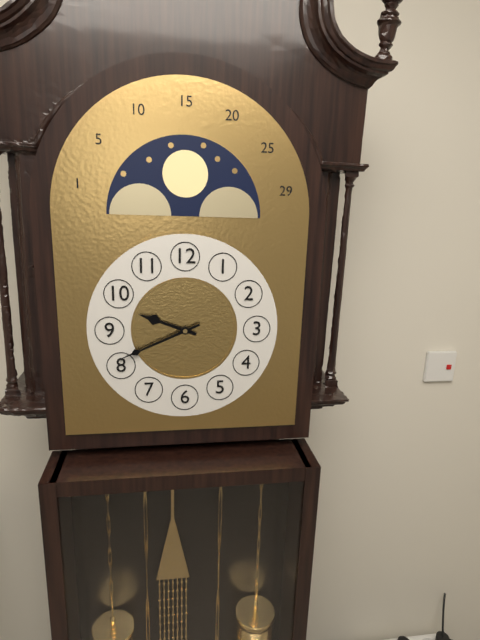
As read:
9,41
